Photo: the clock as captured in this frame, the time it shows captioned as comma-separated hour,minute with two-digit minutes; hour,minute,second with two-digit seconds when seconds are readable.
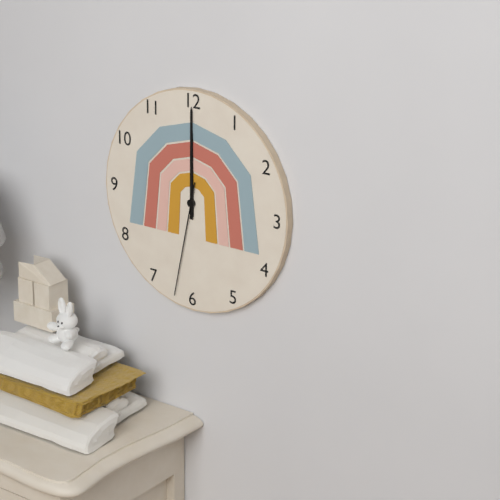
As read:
12,00,32
